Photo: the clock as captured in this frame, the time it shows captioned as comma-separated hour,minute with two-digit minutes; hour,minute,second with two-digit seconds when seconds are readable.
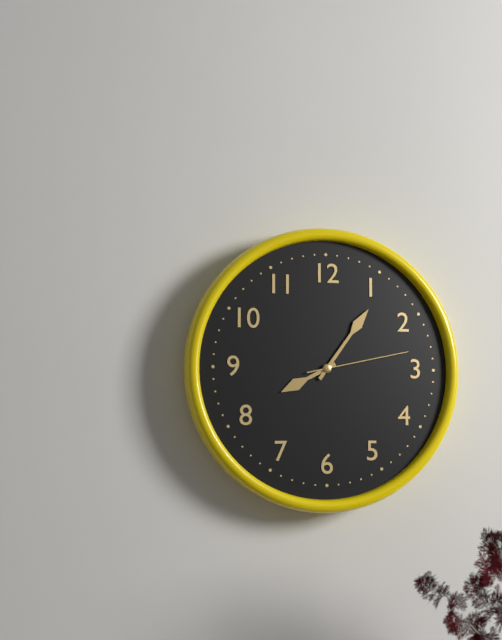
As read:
8,06,13
